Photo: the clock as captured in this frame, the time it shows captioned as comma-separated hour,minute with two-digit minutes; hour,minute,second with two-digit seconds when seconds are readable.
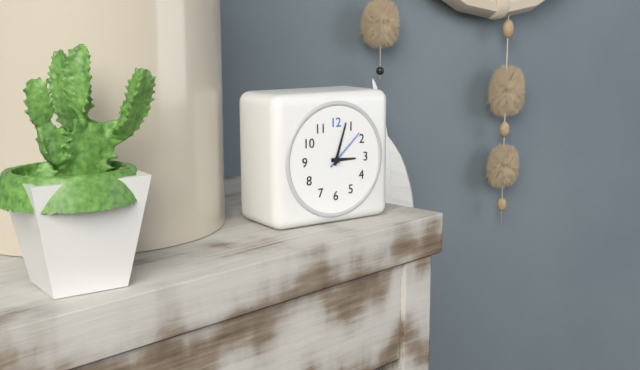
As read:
3,03
